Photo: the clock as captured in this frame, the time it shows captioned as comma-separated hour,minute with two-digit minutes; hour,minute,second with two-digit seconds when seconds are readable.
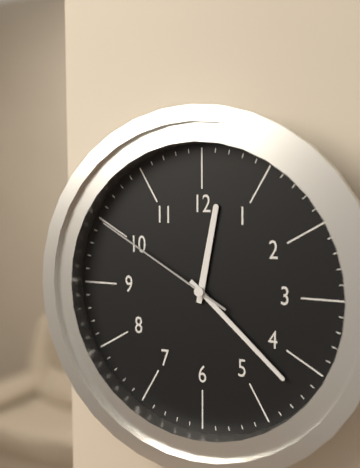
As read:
12,22,50
